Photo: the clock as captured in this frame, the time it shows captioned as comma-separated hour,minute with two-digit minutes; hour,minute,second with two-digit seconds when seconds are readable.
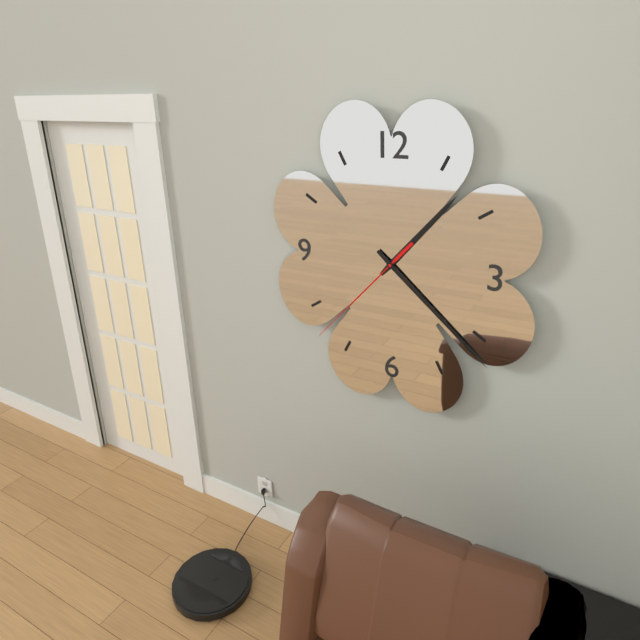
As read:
1,22,37
